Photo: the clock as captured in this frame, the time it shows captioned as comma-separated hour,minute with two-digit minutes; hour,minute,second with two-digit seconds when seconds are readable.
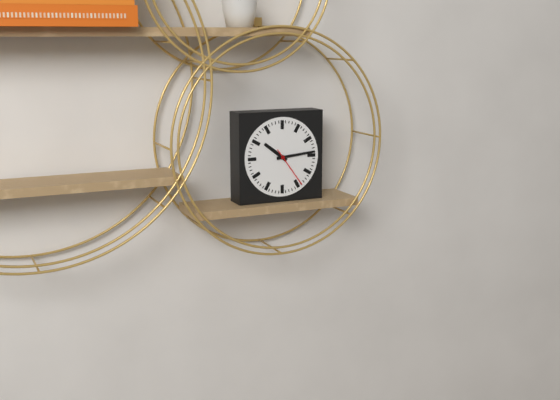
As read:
10,14
